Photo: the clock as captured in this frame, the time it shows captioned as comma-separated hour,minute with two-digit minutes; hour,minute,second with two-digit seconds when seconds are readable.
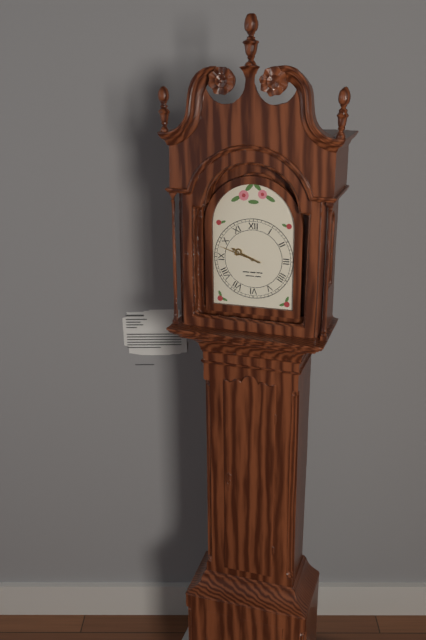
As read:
9,48
